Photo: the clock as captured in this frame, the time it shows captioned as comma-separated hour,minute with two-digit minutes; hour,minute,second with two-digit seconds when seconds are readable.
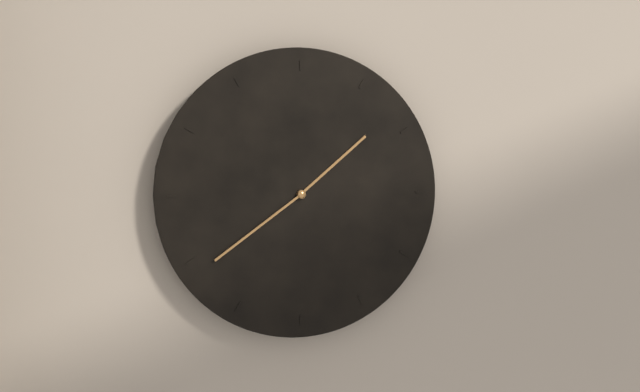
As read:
1,39
